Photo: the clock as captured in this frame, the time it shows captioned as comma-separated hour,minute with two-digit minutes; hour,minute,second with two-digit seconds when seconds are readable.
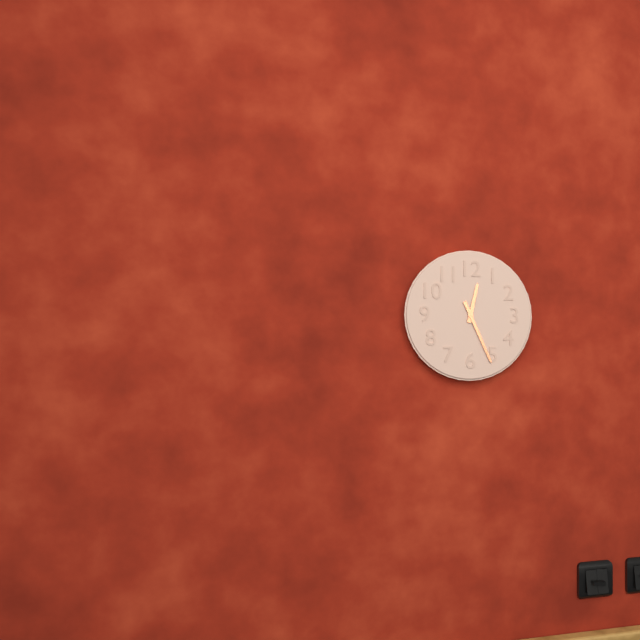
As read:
12,26
